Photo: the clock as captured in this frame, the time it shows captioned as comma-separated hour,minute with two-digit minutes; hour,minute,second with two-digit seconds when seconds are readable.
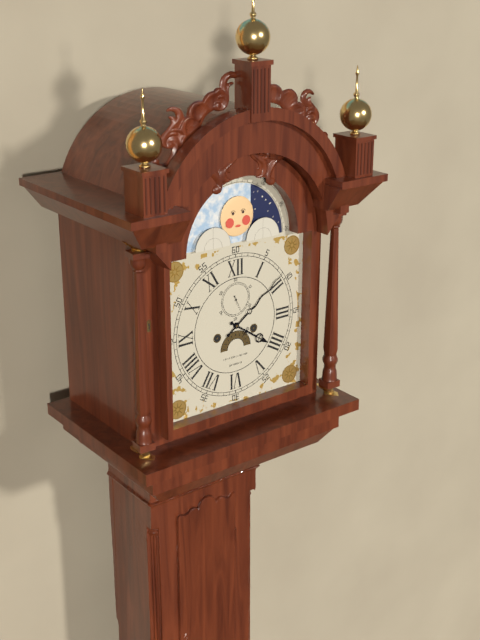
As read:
4,09
